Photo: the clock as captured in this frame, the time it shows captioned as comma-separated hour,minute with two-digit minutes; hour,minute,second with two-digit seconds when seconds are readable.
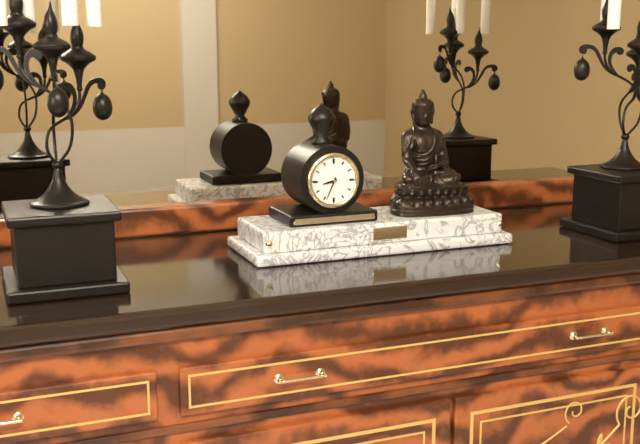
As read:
8,34
